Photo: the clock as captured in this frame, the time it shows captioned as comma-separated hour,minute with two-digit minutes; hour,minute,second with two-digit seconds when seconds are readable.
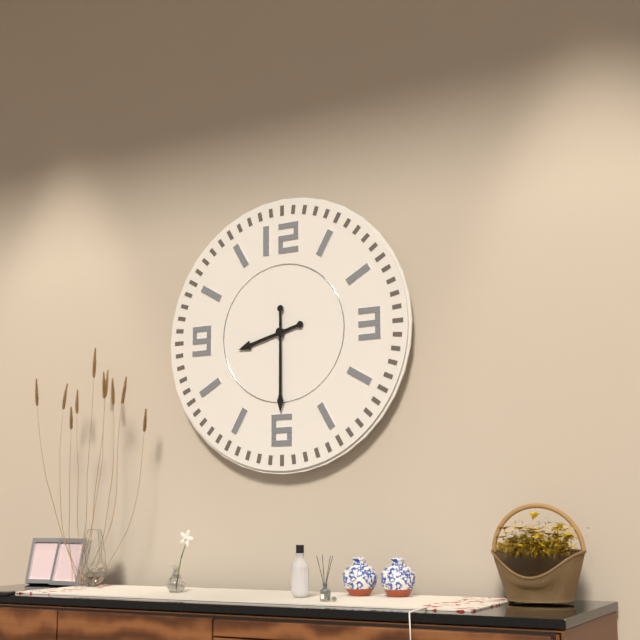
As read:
8,30
